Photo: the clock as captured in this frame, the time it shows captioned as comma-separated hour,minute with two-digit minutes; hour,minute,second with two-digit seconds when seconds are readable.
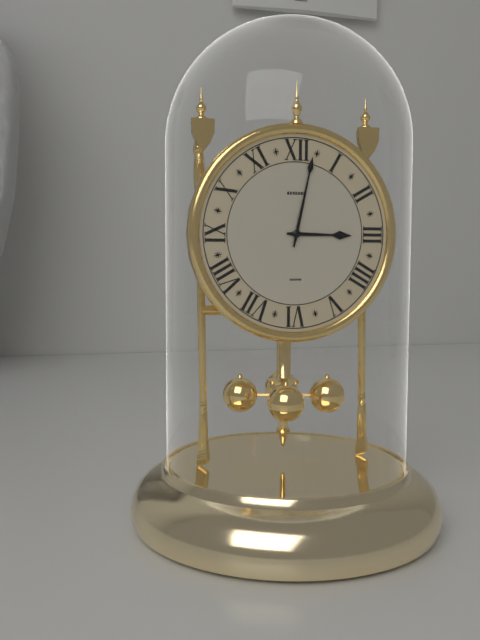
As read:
3,02
